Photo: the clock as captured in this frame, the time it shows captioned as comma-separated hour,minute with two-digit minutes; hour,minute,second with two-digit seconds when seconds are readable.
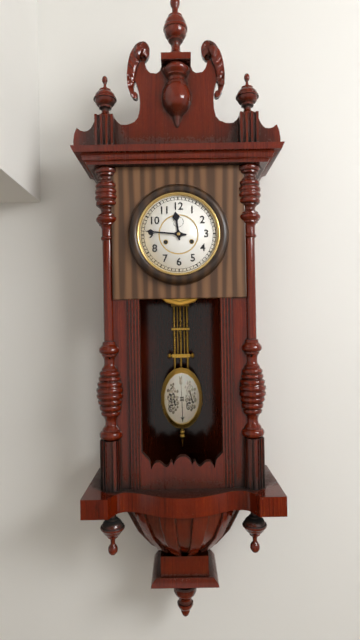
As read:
11,46
